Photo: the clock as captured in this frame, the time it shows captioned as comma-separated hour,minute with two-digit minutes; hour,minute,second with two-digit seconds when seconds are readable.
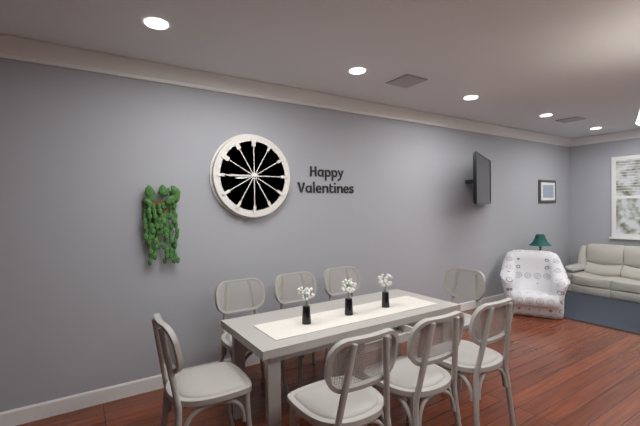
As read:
8,45
